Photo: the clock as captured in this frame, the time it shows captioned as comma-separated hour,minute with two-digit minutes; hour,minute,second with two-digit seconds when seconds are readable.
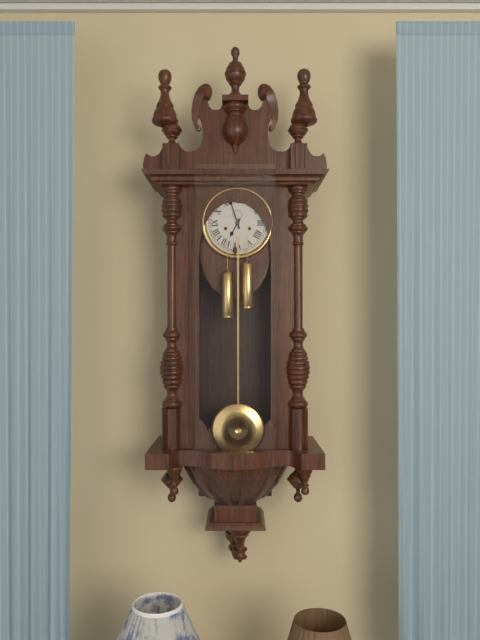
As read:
6,57
